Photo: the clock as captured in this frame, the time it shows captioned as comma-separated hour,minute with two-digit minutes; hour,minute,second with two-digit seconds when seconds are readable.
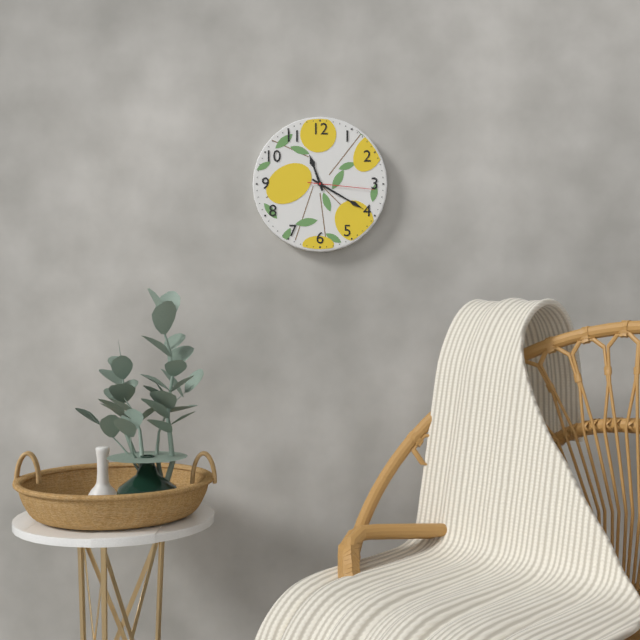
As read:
11,20,16
